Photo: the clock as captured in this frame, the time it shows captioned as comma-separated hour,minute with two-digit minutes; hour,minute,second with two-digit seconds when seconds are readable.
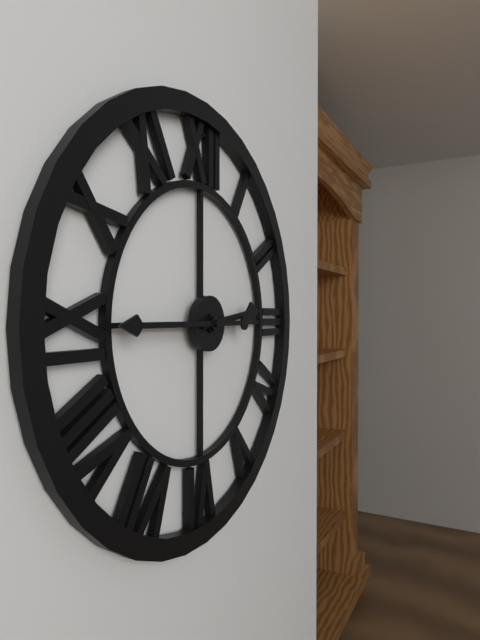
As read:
2,45
